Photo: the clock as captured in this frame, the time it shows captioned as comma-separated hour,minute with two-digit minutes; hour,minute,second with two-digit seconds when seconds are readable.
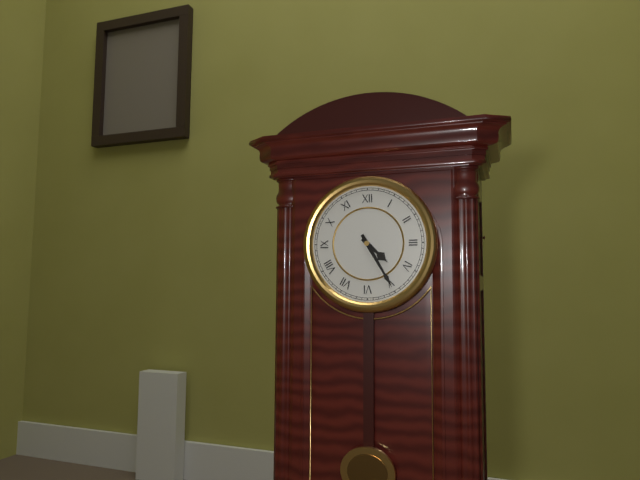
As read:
4,25
